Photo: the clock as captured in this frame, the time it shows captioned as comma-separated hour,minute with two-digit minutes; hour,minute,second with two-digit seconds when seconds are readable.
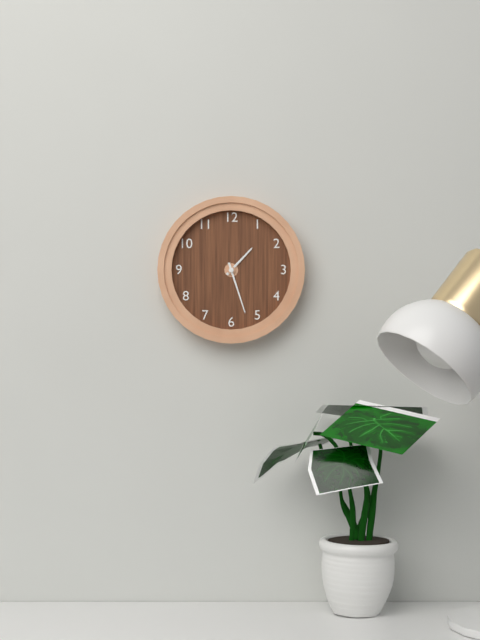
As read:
1,27
